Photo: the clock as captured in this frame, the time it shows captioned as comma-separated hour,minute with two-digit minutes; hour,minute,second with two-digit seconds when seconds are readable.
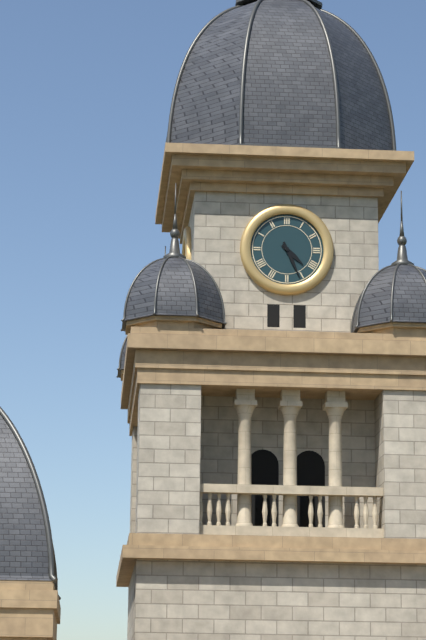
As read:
4,26
